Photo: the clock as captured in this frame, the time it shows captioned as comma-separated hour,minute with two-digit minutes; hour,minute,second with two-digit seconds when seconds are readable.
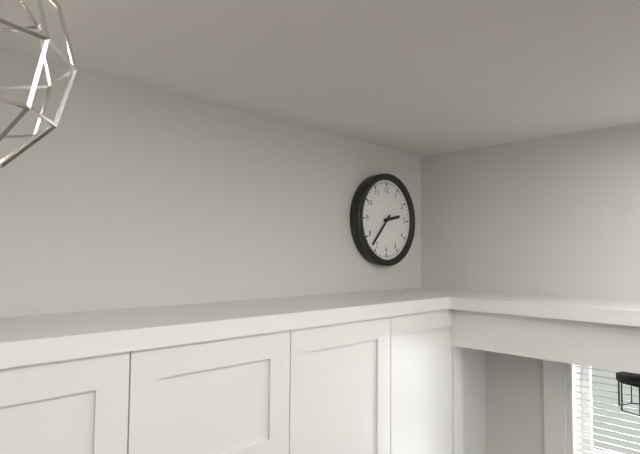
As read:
2,37
